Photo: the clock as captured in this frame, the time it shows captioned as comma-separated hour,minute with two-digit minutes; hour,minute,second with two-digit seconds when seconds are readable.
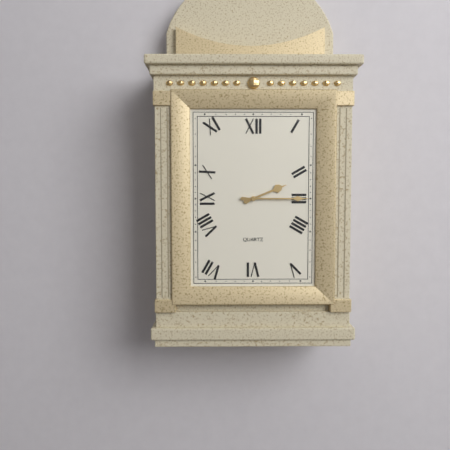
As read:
2,15
